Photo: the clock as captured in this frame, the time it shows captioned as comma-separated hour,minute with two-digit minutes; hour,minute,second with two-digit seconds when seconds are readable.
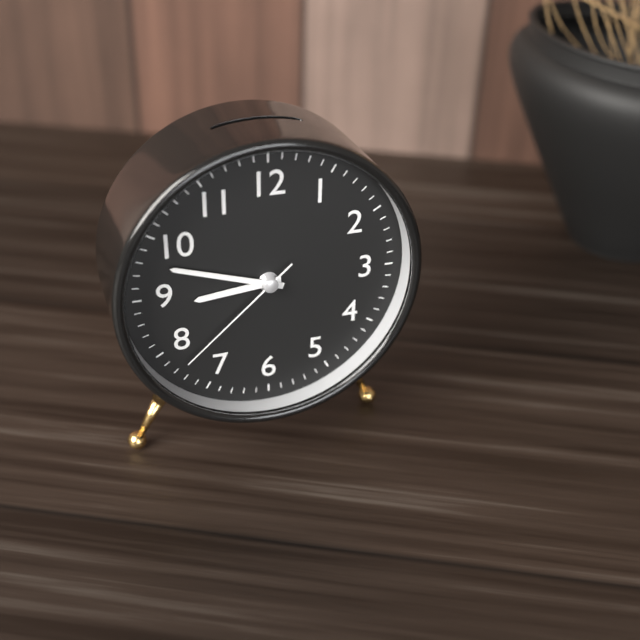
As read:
8,48,38
